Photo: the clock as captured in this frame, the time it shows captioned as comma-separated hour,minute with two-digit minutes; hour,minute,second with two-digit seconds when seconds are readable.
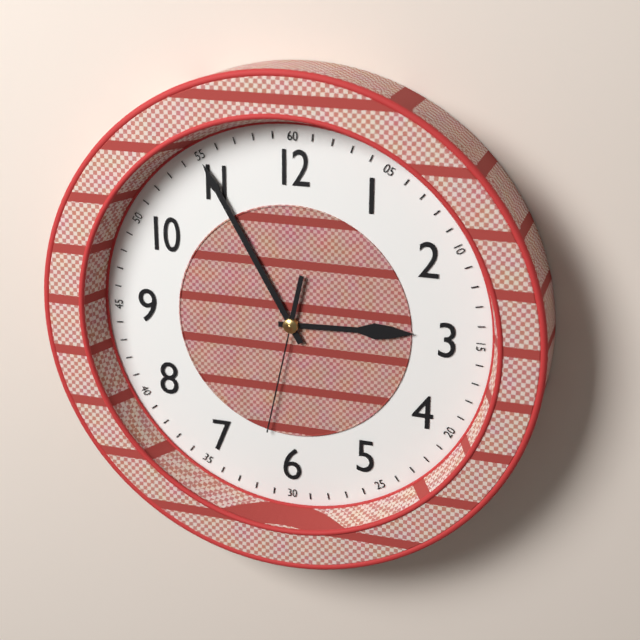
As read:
2,55,32
